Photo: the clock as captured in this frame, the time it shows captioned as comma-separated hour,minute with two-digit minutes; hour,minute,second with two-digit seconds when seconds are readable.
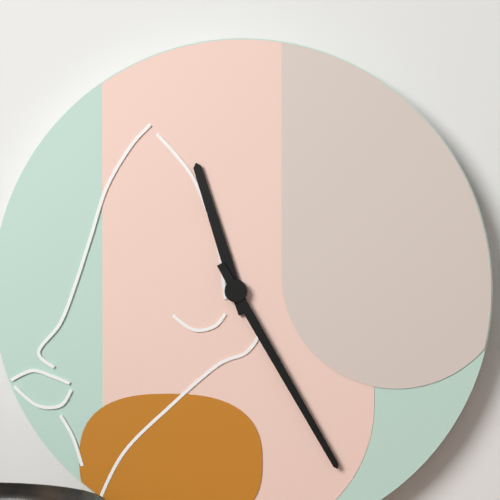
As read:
11,25
